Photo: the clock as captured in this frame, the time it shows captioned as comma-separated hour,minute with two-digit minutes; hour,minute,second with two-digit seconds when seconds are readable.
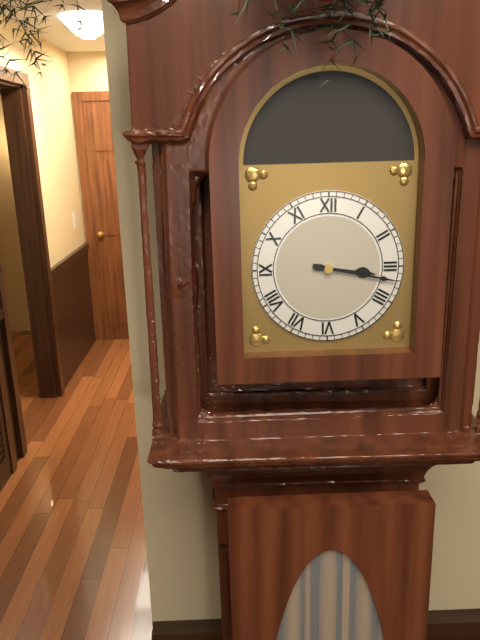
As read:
3,17
